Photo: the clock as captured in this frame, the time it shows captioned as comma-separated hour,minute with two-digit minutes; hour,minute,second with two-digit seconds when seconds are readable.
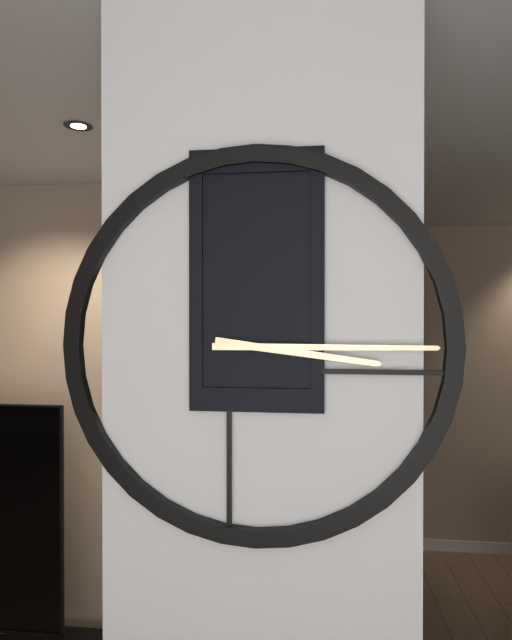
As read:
3,15
